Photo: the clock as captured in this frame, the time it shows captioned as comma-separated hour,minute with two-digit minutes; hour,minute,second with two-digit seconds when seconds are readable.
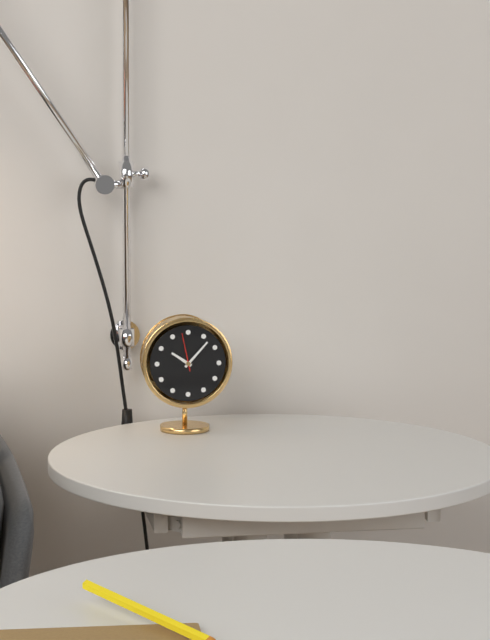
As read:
10,07
